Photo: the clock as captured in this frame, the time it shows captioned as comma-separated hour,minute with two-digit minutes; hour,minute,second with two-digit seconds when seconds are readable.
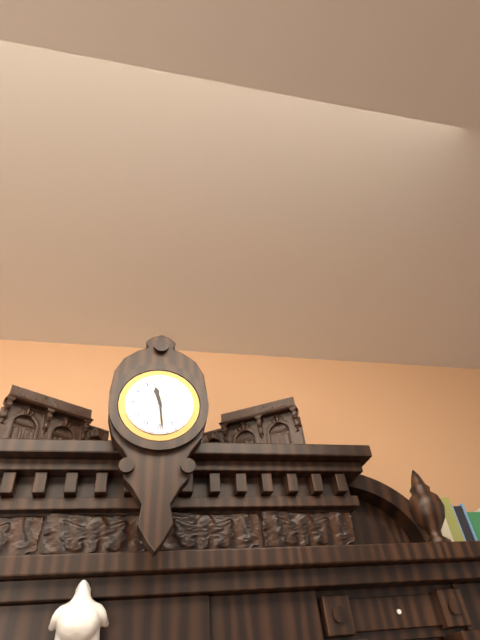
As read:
11,29
